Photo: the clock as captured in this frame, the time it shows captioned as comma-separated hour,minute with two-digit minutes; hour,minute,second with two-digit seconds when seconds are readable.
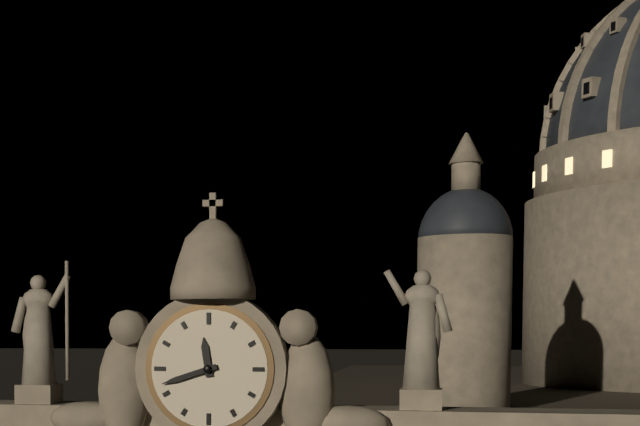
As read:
11,42
